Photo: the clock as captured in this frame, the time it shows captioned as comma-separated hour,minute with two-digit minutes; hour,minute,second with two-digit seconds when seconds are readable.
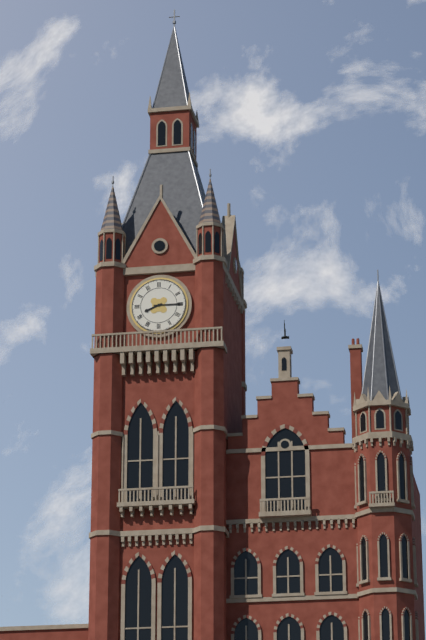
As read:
8,15
